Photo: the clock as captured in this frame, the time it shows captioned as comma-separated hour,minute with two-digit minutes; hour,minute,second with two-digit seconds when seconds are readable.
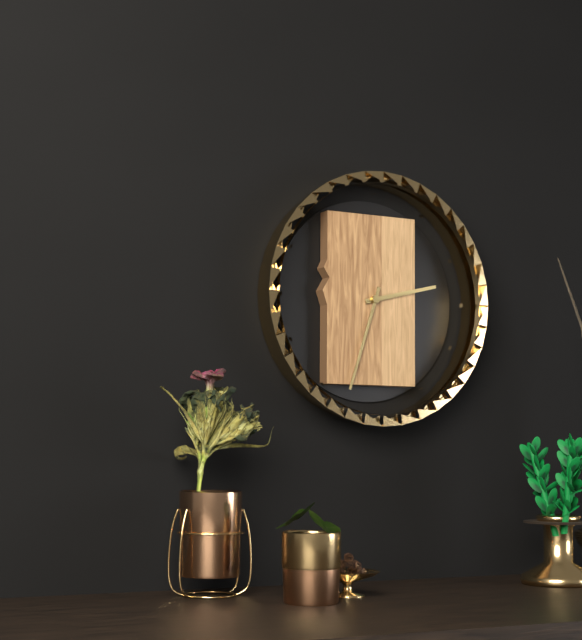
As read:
2,33
